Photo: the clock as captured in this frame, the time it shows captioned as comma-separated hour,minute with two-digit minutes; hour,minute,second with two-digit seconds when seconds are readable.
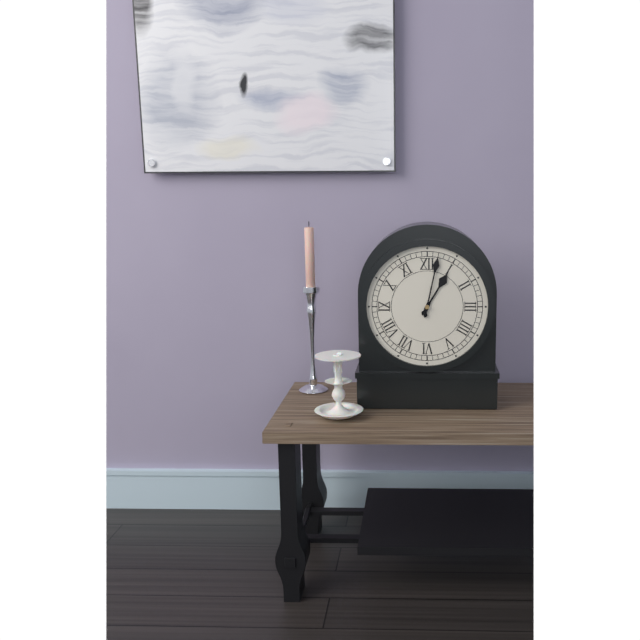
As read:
1,02
